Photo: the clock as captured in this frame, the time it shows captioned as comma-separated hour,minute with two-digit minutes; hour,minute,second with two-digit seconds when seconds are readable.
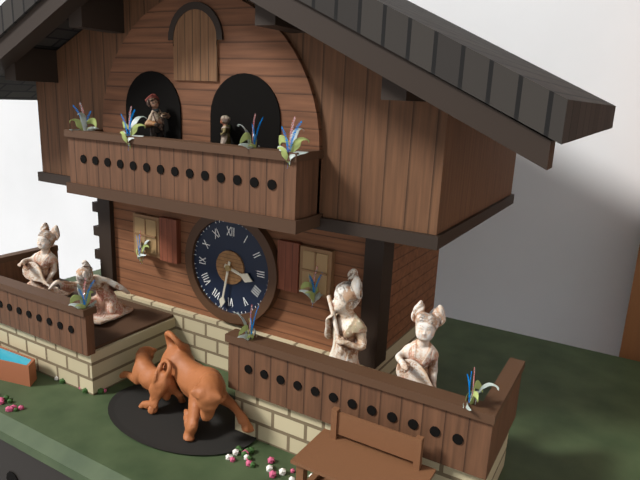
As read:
3,32
